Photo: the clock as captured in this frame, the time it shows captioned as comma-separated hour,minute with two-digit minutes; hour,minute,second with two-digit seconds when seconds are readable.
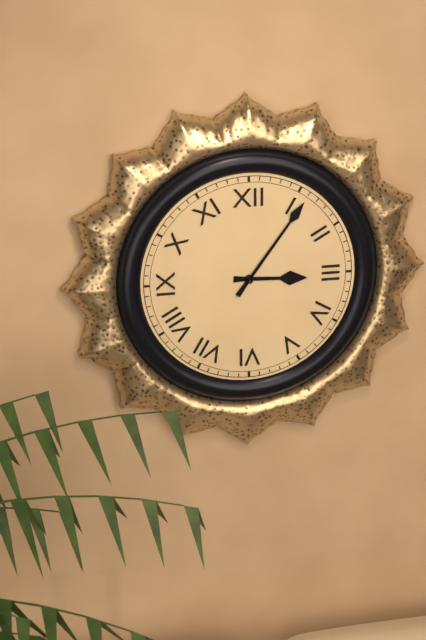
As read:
3,06
